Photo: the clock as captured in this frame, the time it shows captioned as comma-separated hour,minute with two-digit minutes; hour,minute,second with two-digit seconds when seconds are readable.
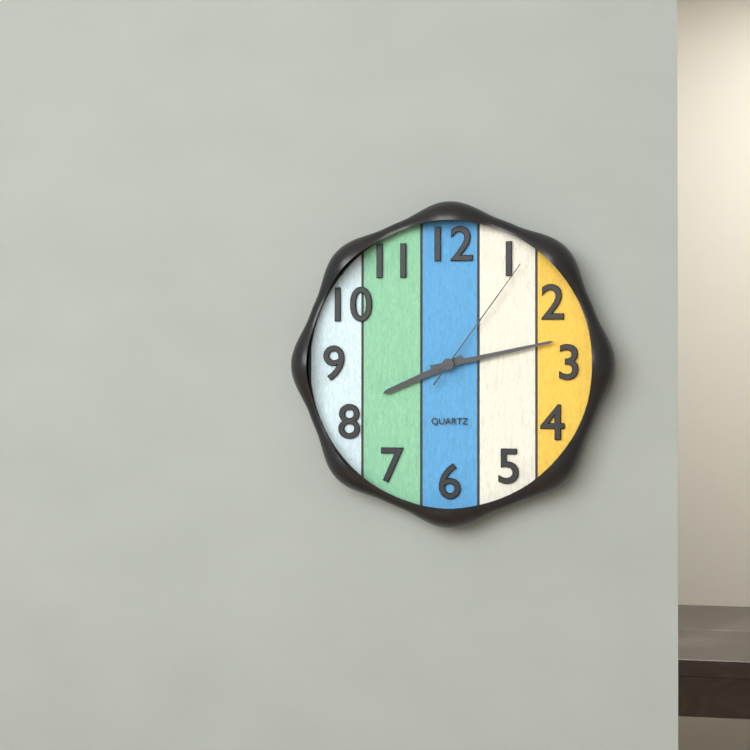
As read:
8,13,06
